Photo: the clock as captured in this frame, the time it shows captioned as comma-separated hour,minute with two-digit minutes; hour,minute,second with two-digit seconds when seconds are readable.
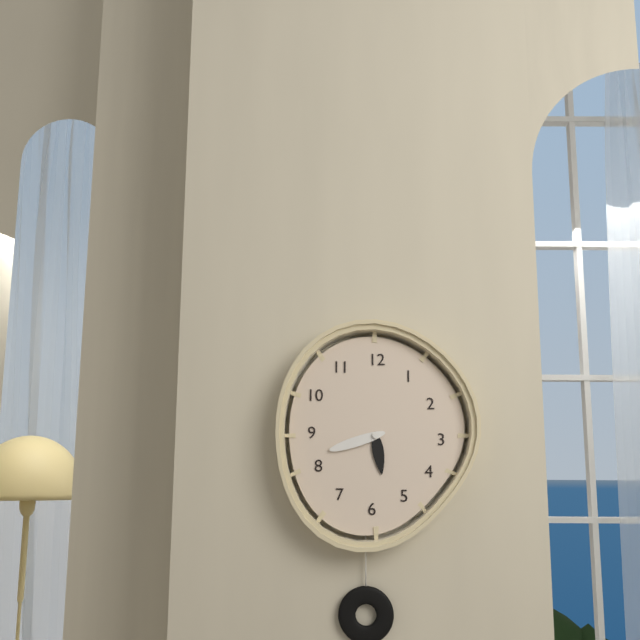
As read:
5,42
